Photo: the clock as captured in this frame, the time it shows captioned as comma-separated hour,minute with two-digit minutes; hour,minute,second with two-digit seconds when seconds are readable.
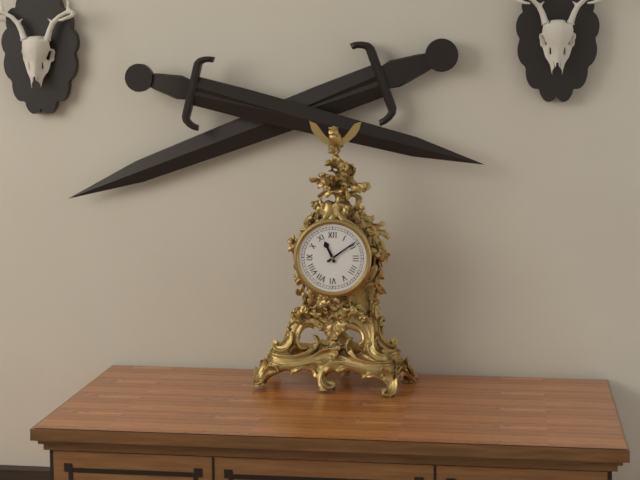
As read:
11,09
